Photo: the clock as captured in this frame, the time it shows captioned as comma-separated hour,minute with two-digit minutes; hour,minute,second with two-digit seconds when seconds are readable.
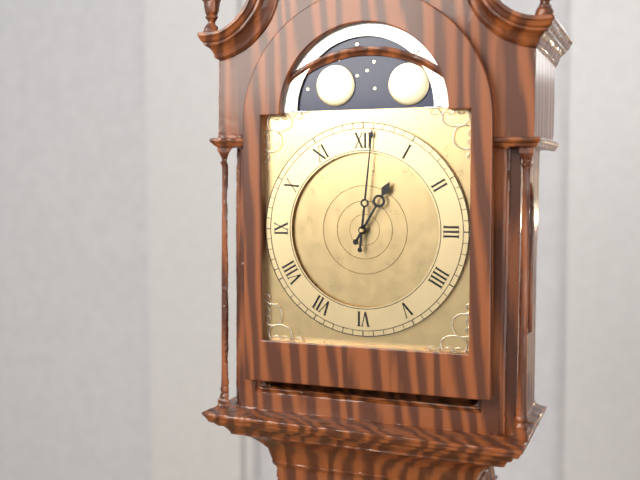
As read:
1,01
